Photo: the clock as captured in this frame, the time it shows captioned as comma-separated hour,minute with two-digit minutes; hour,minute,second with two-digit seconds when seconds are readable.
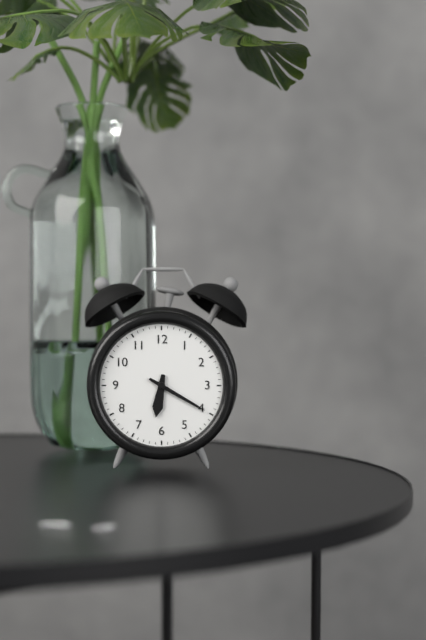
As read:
6,20
